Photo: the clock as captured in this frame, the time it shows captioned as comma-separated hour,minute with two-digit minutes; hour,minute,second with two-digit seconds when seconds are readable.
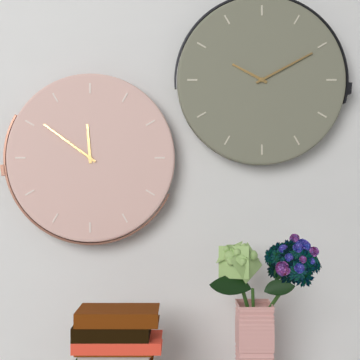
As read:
11,51
